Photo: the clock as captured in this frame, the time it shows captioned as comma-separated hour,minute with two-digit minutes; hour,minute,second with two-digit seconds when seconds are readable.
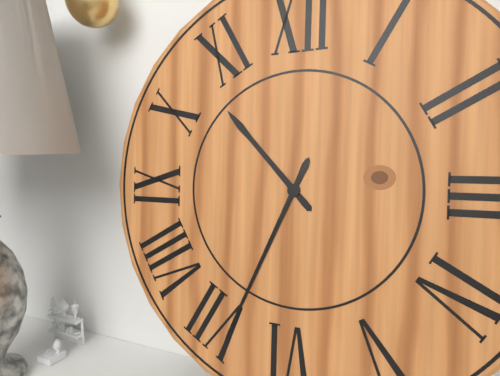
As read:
10,34
